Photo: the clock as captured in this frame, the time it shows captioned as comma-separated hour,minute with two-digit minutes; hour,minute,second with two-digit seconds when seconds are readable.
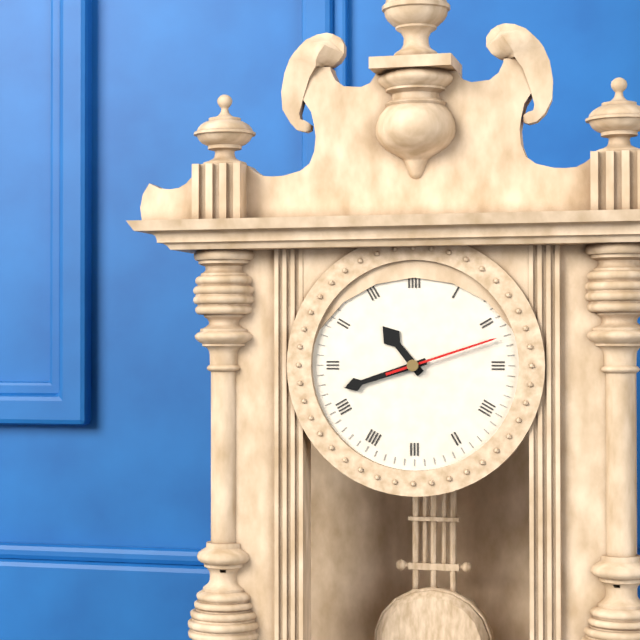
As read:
10,42,12
